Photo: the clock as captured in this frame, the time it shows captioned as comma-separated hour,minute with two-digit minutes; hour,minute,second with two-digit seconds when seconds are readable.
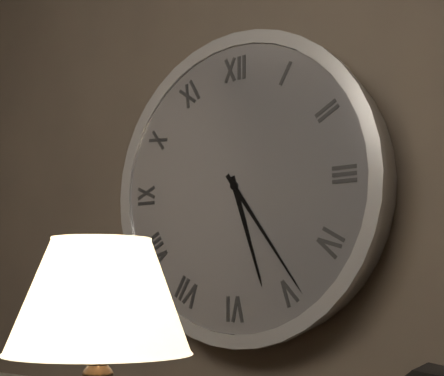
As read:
5,24
